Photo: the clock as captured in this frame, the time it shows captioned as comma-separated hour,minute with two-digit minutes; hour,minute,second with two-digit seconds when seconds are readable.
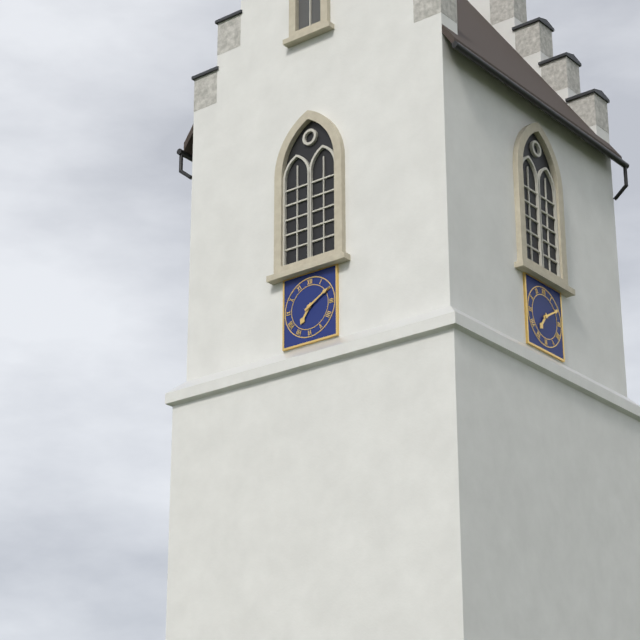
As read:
7,10
